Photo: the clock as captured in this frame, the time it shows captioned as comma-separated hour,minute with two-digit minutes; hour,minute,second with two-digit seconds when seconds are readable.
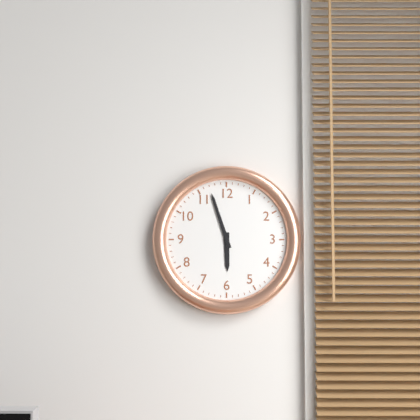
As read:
5,57
